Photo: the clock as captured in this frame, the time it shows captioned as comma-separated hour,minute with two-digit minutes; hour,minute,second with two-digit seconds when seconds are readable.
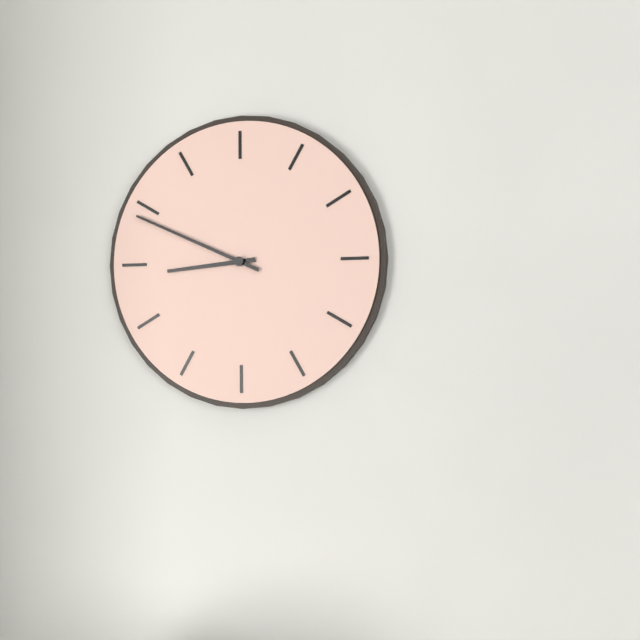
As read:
8,49
